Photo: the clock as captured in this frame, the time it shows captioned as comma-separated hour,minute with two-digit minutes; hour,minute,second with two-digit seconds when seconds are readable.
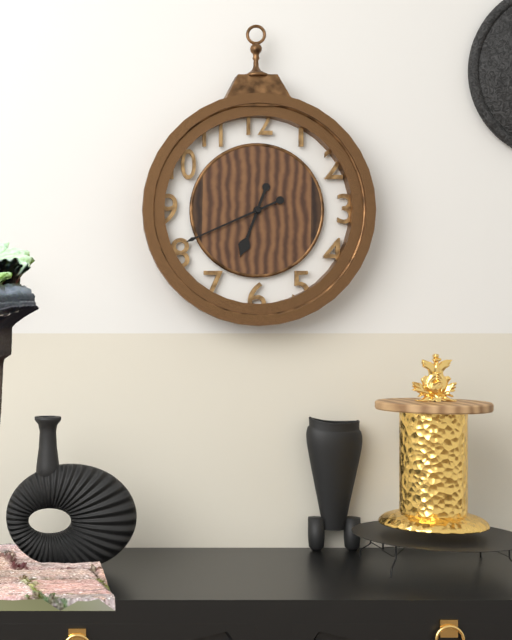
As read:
6,41
